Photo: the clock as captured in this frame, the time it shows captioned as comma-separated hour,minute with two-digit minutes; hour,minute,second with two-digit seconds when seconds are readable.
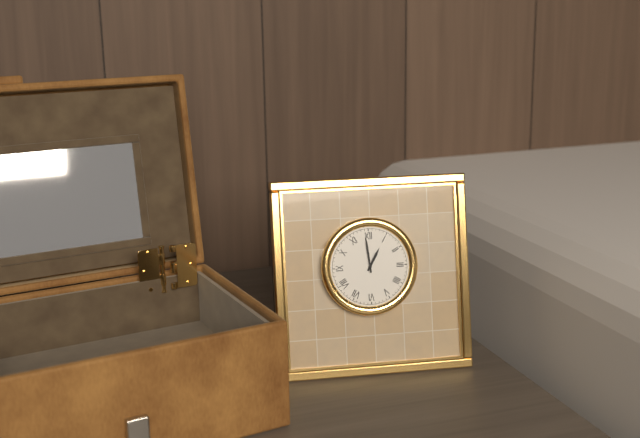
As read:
12,59
